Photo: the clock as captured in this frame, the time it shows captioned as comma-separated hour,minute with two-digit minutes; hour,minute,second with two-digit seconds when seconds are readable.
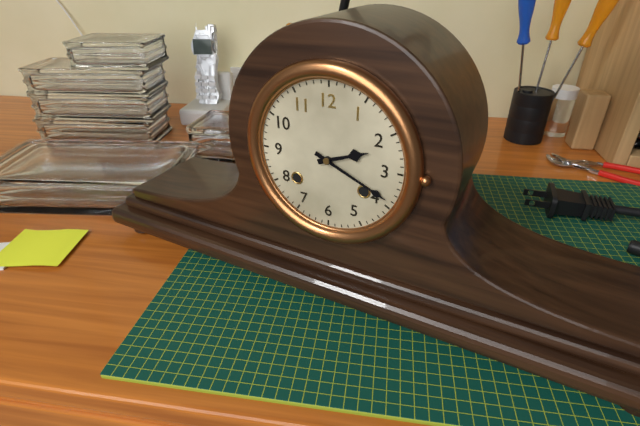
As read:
2,19
